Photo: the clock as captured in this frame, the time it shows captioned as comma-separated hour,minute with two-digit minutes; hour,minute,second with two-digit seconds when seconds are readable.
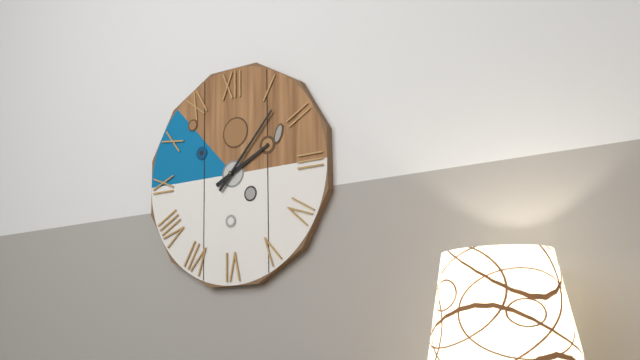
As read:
2,07
